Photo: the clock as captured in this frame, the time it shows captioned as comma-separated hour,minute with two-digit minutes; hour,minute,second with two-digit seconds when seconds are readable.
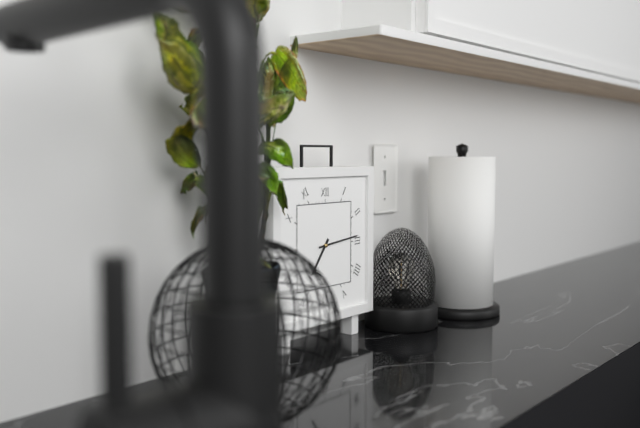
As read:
7,14
